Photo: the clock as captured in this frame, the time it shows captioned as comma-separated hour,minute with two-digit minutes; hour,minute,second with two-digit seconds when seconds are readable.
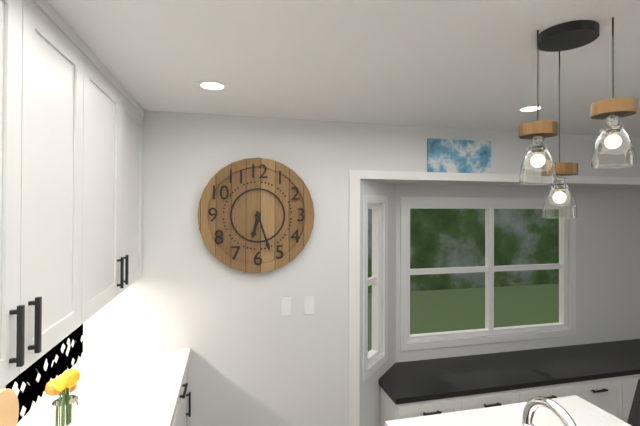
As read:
6,27
